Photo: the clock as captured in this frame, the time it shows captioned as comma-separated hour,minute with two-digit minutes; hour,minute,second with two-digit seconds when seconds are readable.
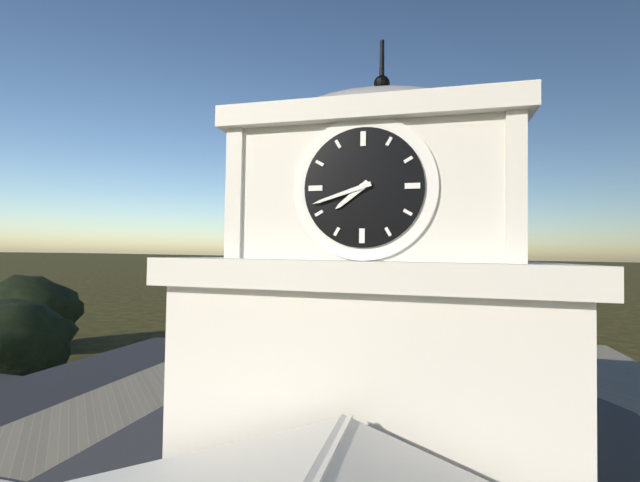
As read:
7,42
